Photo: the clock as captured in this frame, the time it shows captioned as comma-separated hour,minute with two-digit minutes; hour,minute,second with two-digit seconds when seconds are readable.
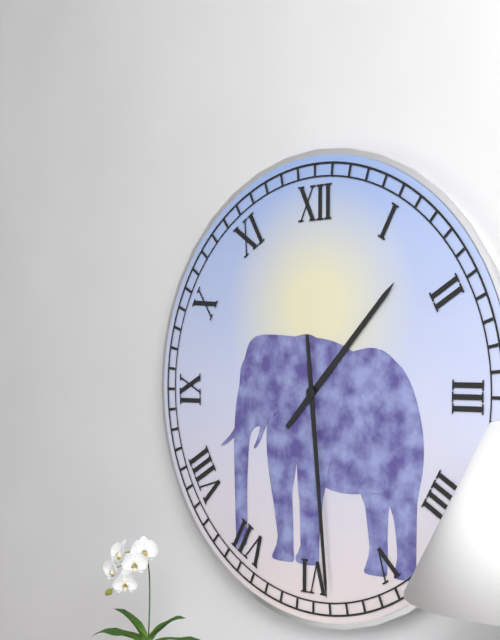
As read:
1,29
